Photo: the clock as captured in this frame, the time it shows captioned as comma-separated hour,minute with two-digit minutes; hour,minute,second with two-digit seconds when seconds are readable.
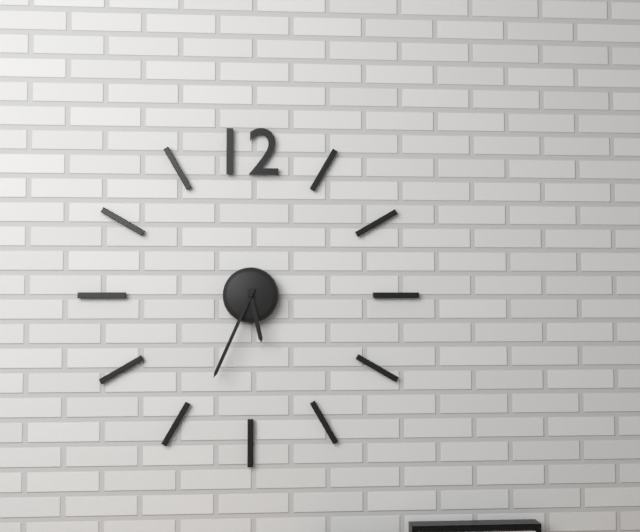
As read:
5,34
